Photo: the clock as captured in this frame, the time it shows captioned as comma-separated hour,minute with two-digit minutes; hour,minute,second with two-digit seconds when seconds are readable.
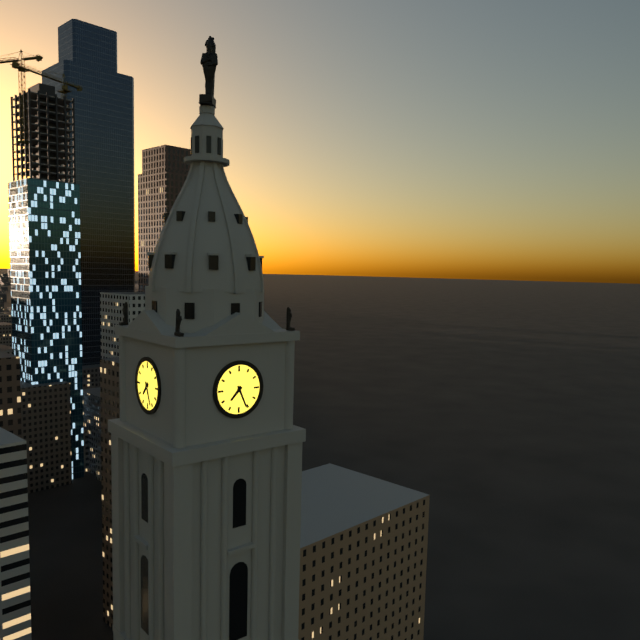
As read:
7,26
